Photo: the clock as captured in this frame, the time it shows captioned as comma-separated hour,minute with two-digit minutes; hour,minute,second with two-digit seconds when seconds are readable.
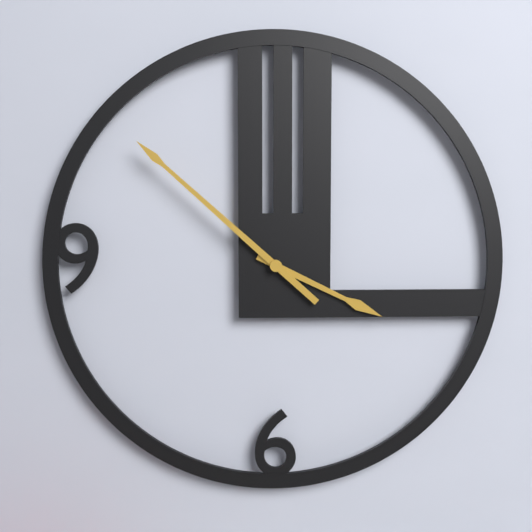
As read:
3,52
